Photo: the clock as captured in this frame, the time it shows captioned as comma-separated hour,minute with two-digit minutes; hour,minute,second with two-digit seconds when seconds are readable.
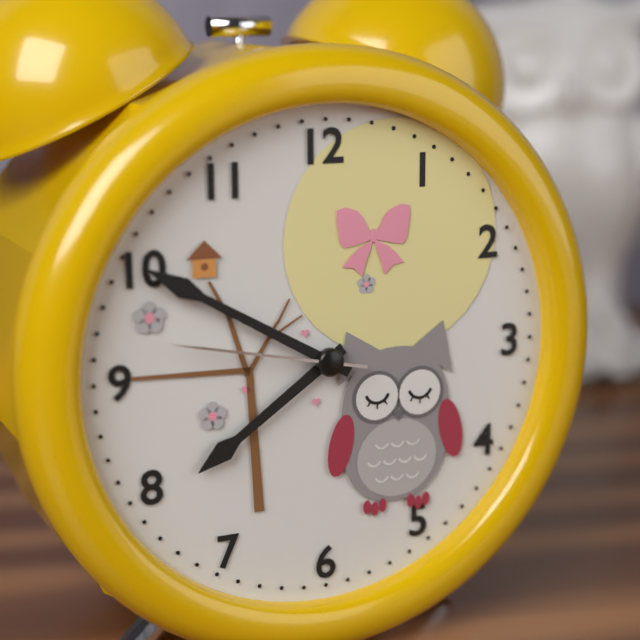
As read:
7,50,47
